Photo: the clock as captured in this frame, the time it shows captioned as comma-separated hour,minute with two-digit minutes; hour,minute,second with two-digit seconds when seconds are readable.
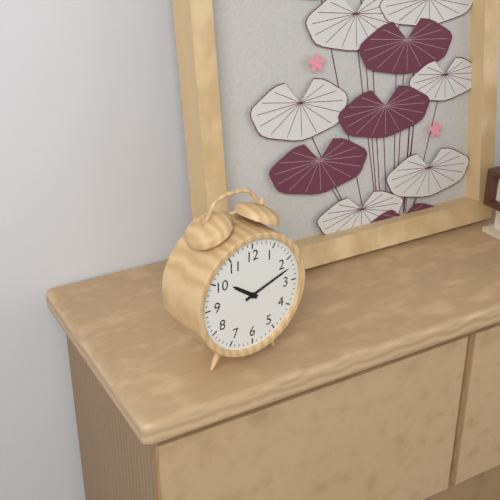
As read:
10,12
